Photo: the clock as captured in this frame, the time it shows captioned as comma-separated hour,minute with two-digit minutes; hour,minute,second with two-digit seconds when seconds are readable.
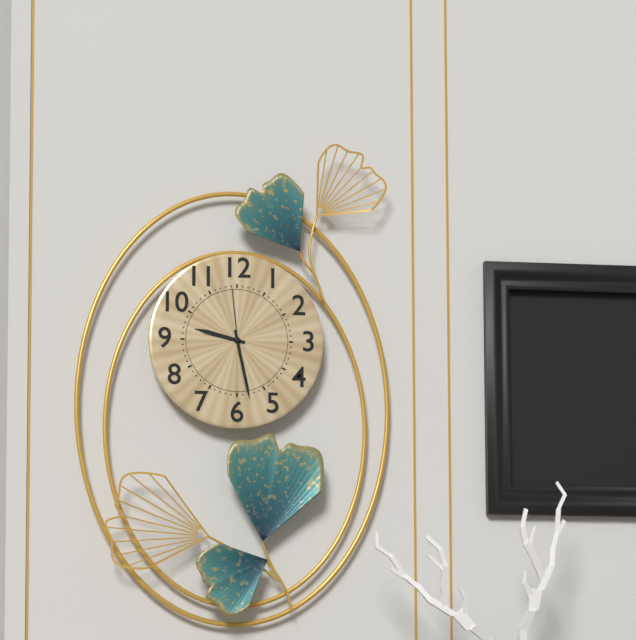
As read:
9,28,59
